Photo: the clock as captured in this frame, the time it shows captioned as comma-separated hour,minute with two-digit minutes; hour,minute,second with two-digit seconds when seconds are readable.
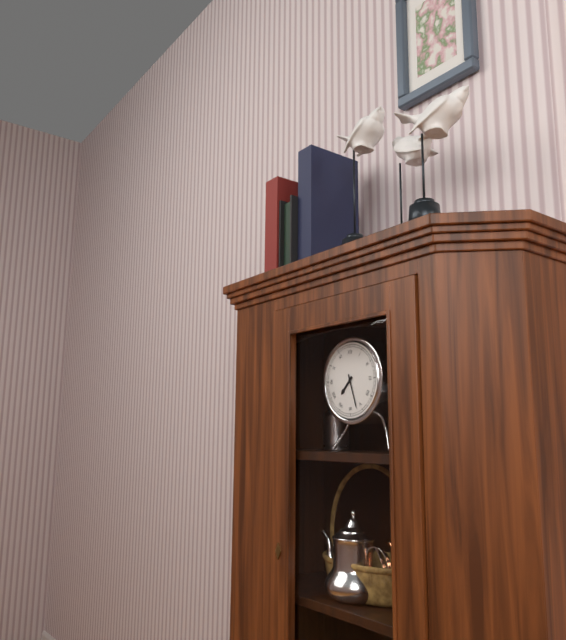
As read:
7,27
